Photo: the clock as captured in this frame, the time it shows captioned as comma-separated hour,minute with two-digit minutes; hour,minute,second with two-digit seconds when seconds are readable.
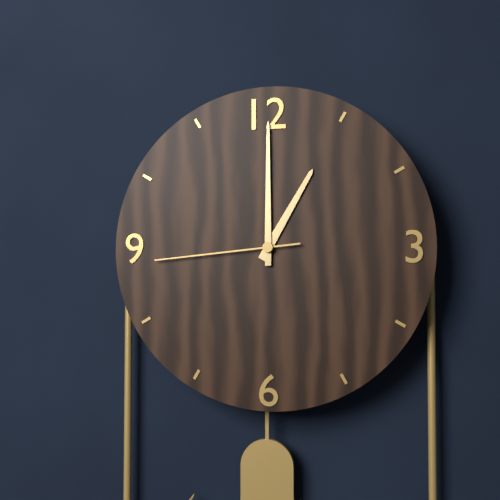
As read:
1,00,44
